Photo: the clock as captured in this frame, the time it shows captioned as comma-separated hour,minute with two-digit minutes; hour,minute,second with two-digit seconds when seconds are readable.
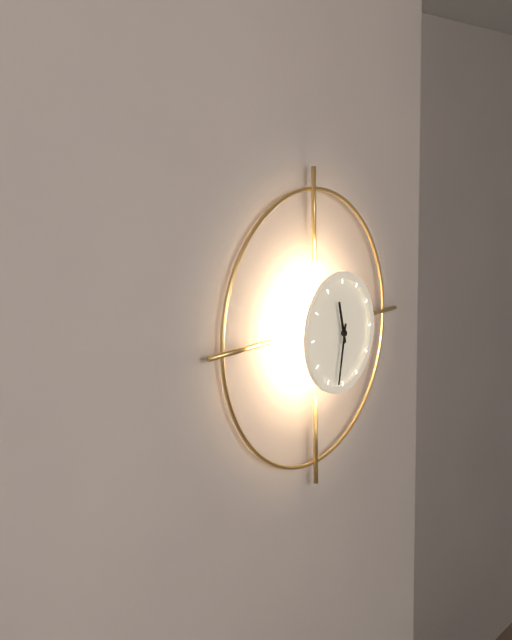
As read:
11,32
